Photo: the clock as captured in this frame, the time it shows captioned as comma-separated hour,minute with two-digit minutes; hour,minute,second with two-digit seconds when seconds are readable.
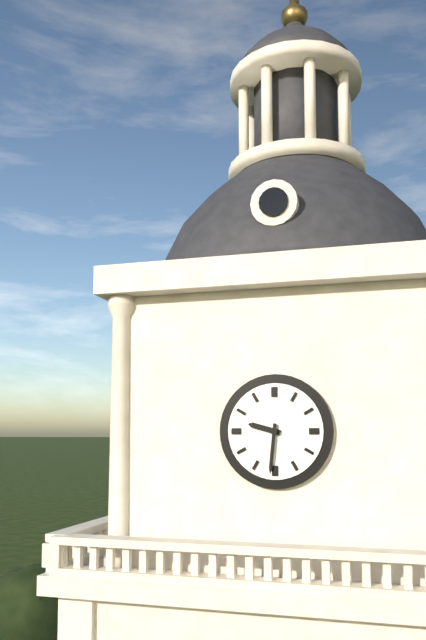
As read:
9,31
